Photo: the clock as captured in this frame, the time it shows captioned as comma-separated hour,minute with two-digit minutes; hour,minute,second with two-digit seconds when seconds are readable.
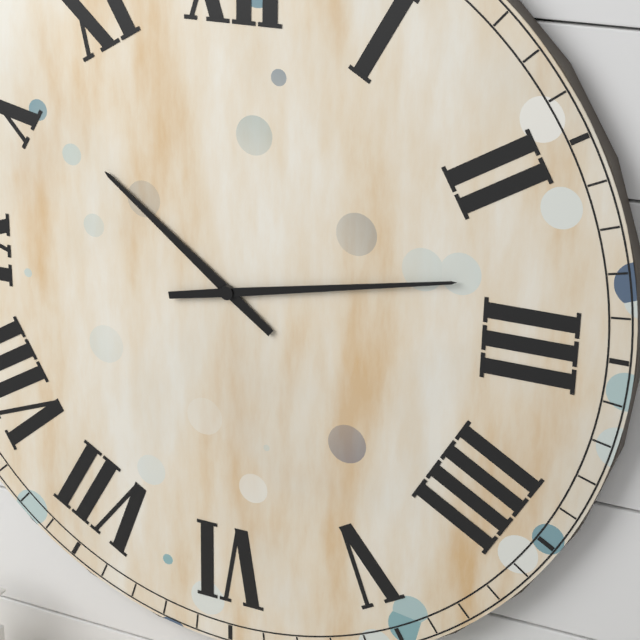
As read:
10,13
